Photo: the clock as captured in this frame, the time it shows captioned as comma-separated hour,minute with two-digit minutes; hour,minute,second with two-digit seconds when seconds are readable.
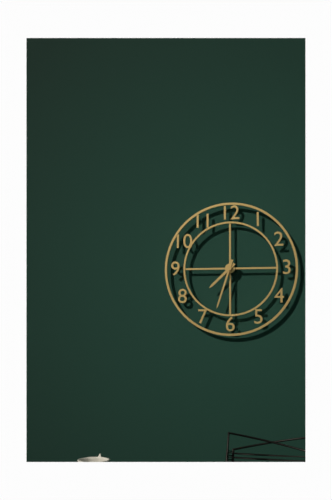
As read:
7,33
